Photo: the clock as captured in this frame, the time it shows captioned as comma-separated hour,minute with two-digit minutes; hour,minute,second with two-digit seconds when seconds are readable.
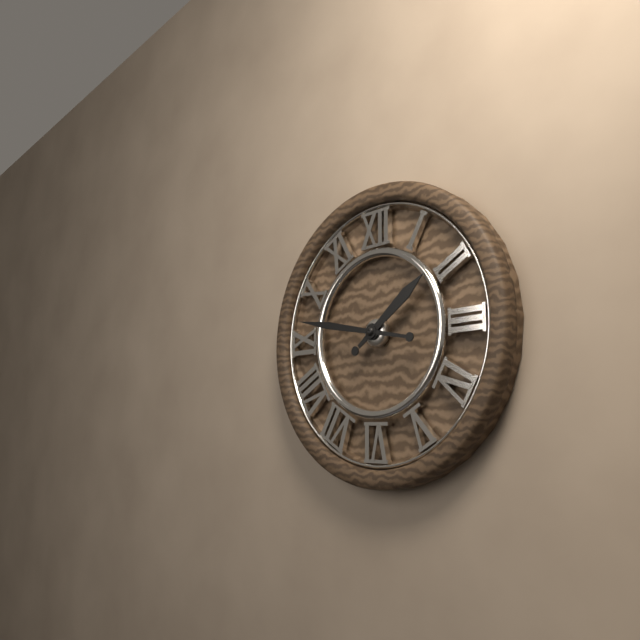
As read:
1,47
